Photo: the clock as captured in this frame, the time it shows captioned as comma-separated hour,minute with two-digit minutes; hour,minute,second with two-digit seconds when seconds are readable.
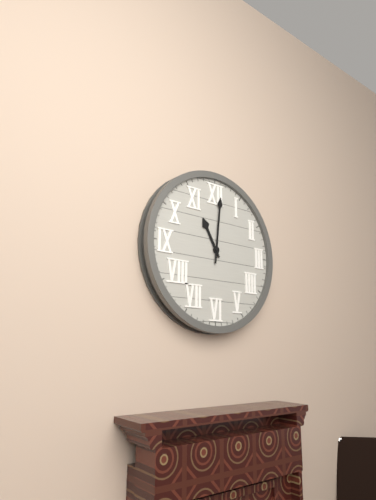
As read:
11,01
